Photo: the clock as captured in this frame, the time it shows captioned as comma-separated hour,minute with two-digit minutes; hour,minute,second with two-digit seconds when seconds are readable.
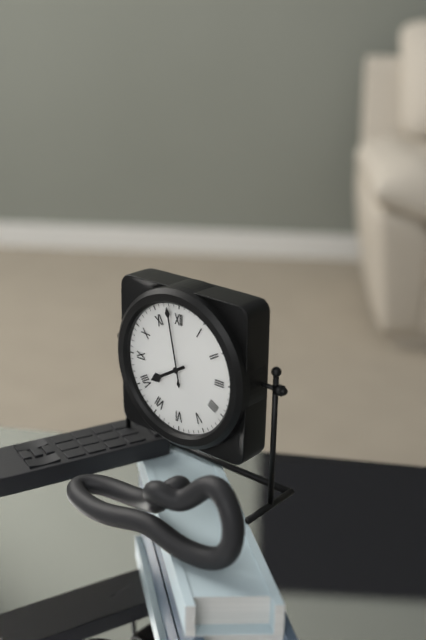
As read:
7,58
